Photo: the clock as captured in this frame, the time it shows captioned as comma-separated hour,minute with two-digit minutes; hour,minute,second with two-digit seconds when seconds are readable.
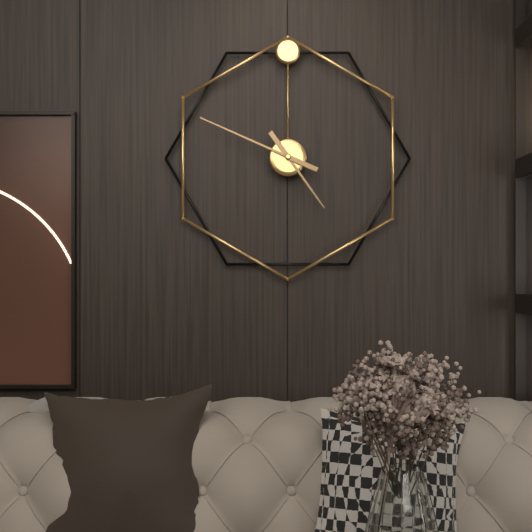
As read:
4,49
